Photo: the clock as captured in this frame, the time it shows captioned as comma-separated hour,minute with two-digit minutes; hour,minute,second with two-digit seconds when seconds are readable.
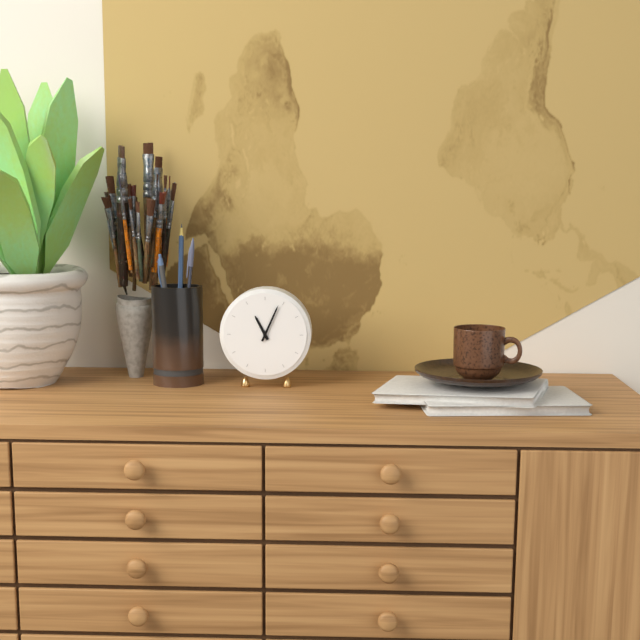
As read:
11,04
